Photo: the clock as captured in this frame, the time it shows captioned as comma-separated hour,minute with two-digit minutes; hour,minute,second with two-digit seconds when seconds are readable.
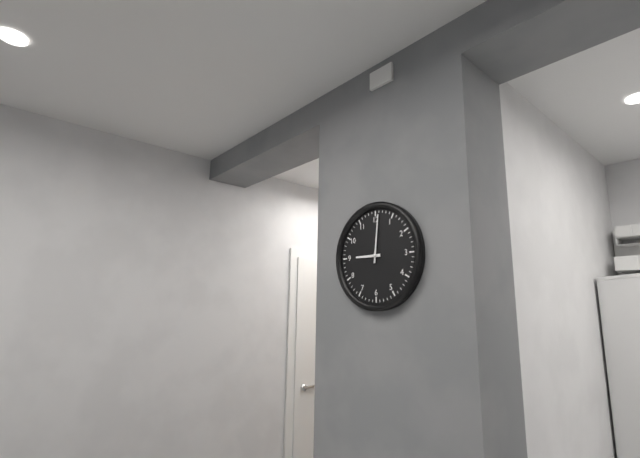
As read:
9,01
